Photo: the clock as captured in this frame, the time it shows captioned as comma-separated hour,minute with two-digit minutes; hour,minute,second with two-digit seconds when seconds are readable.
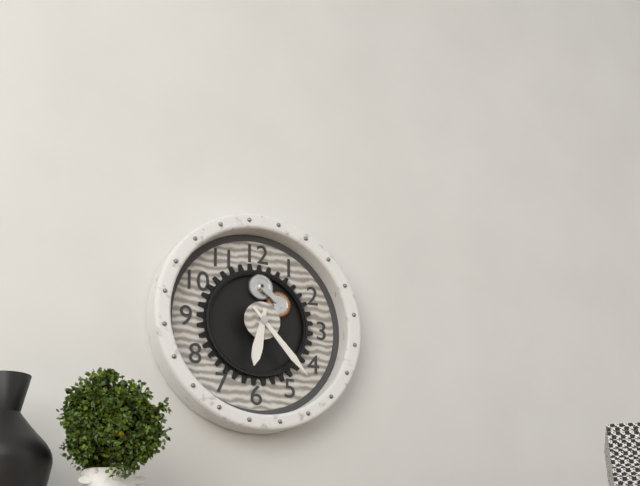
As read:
6,23
